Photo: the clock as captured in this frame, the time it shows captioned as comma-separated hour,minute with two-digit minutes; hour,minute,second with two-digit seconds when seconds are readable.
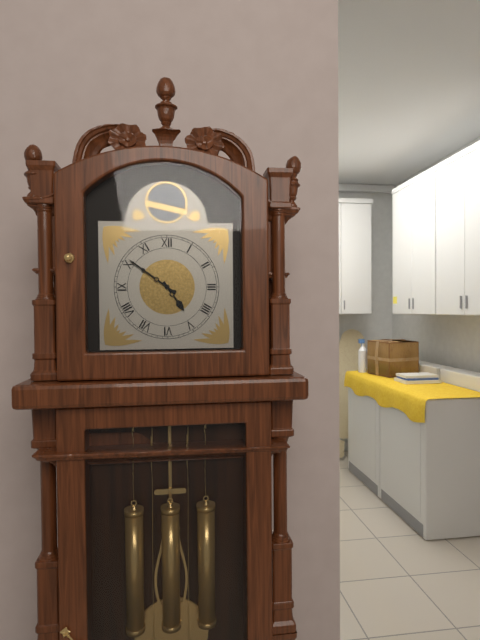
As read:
4,51
